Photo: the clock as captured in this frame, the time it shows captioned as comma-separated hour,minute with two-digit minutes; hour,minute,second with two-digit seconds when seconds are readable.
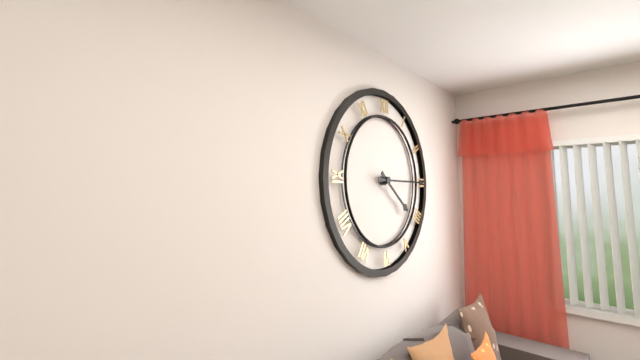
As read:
4,15
